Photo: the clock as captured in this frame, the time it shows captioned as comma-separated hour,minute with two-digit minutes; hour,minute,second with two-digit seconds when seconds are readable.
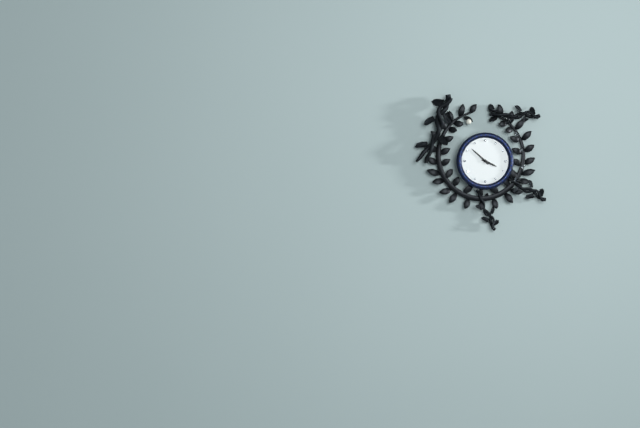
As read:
3,52
